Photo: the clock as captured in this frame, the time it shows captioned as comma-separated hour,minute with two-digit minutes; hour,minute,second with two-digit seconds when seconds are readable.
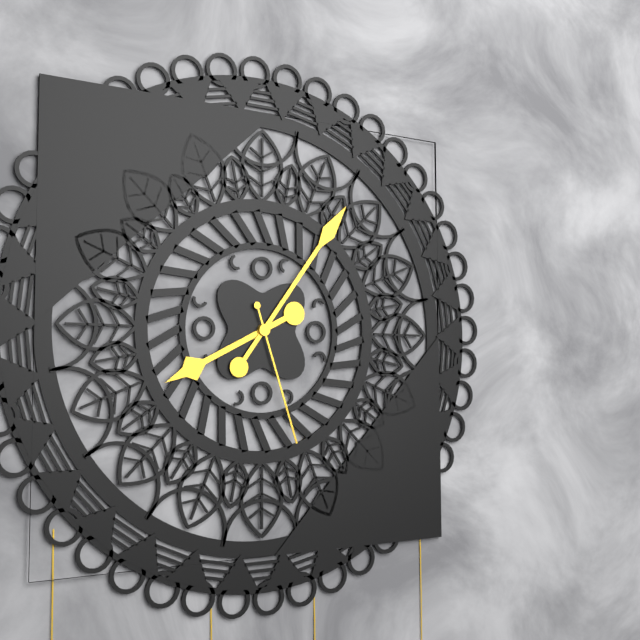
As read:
8,06,27
